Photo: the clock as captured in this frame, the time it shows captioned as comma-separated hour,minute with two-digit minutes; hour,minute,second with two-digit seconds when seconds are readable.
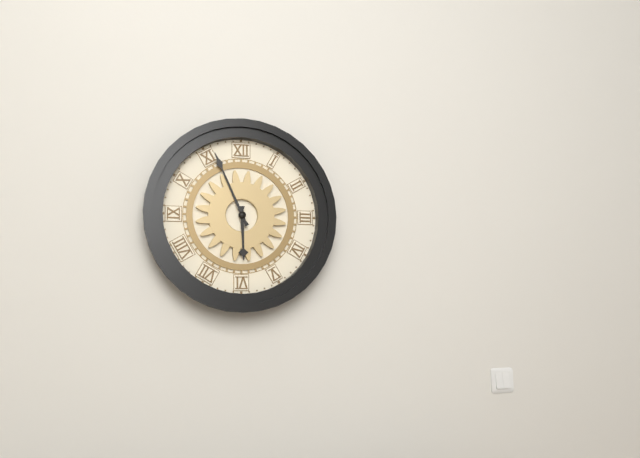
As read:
5,56
